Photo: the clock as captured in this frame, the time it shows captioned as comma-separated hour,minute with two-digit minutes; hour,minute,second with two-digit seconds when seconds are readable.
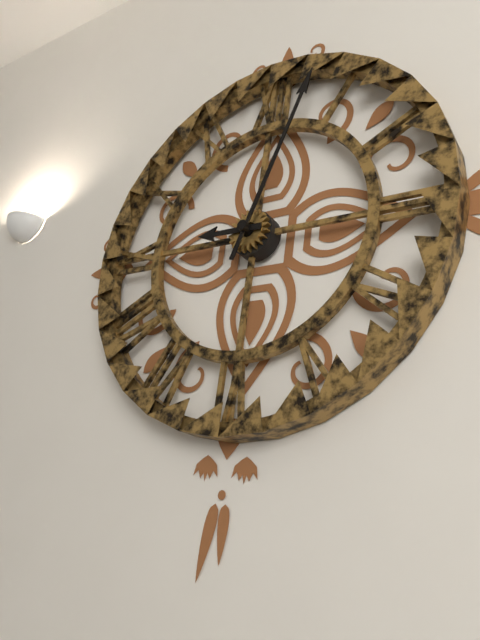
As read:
9,03
